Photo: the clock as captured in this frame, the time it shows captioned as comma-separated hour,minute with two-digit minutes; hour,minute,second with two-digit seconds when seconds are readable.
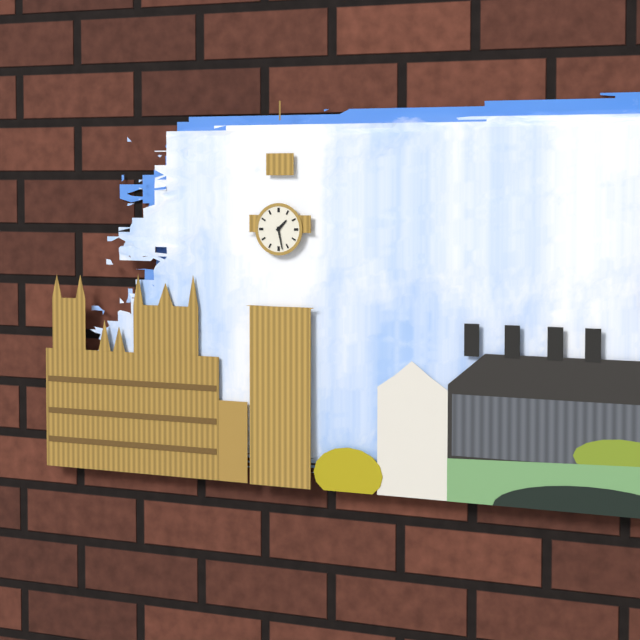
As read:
1,28
